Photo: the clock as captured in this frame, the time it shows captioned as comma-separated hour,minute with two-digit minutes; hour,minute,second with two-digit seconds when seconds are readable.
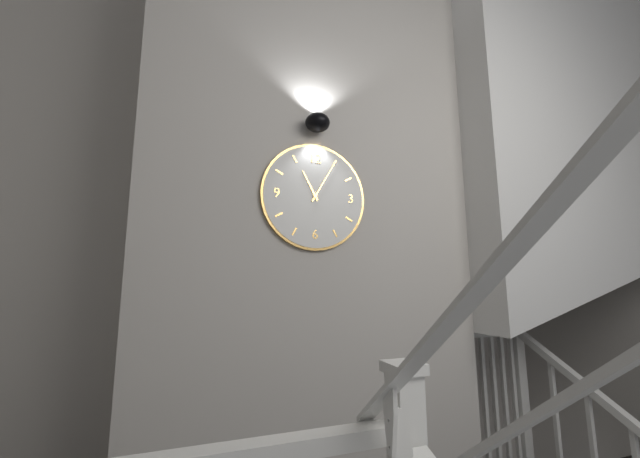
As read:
11,05
